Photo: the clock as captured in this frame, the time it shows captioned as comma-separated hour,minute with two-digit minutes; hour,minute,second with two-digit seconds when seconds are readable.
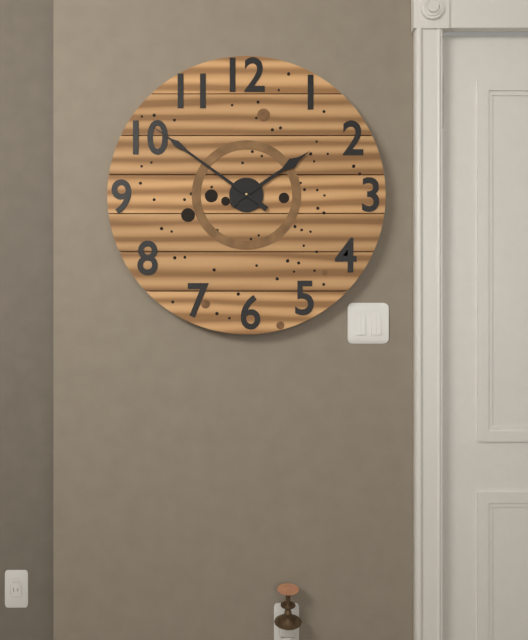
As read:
1,51
